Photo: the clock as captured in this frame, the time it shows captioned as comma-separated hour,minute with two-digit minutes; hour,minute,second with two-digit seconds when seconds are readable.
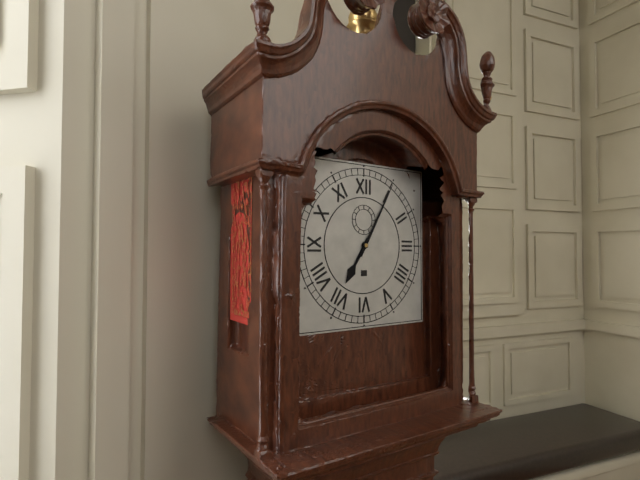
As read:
7,05
